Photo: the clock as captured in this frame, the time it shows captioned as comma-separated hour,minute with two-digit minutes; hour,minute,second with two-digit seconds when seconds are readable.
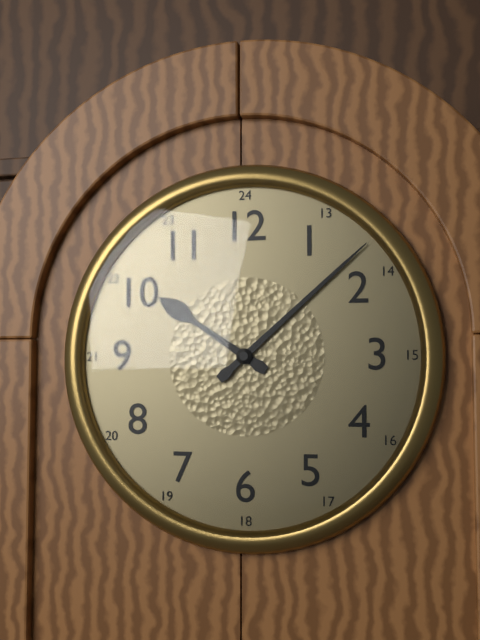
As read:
10,08
